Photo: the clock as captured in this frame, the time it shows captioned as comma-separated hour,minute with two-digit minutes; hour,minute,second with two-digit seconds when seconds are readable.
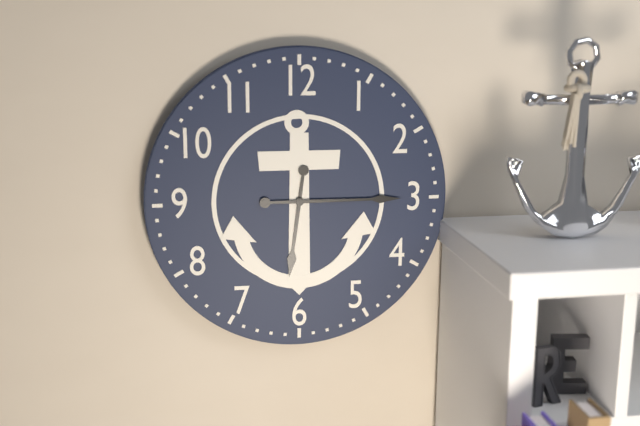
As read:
6,15
